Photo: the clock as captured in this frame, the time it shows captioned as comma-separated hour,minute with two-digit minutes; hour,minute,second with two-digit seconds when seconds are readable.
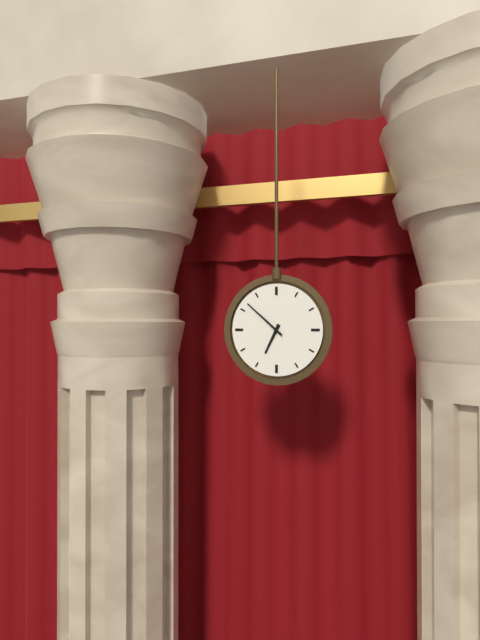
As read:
6,52
